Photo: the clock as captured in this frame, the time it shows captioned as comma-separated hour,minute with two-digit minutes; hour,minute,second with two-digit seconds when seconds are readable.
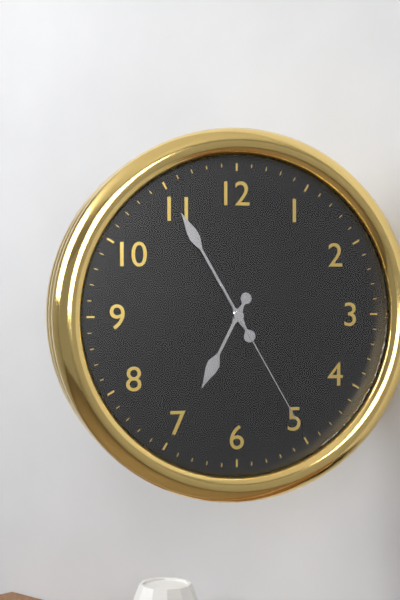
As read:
6,55,25
